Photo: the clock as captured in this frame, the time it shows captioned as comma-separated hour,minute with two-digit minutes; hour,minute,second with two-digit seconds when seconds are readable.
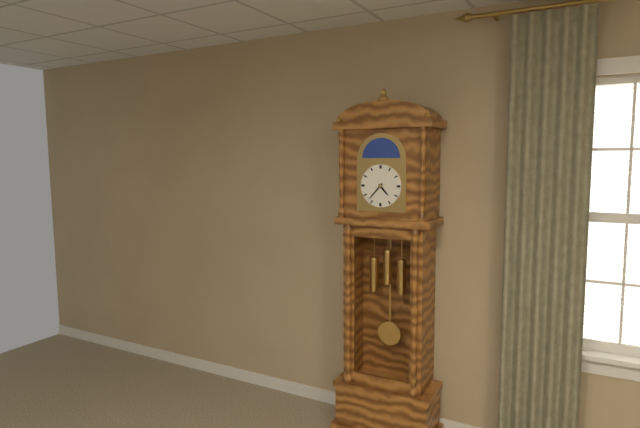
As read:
4,37
